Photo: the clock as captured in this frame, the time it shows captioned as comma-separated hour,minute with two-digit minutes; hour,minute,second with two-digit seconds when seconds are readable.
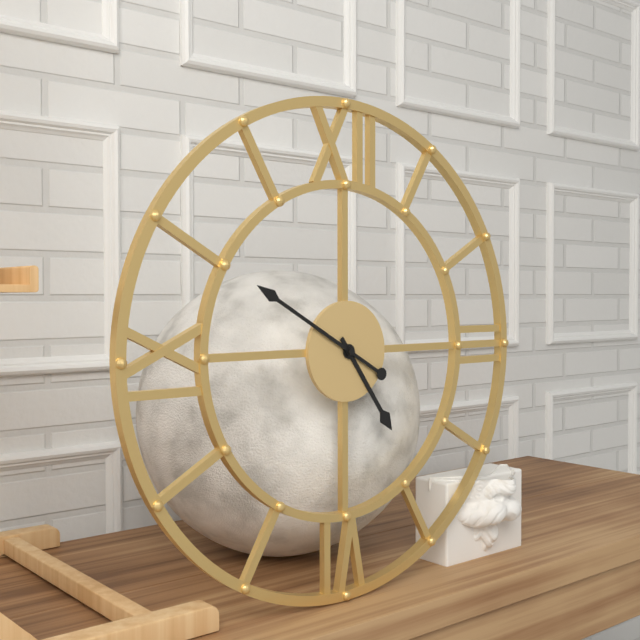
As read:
4,50
